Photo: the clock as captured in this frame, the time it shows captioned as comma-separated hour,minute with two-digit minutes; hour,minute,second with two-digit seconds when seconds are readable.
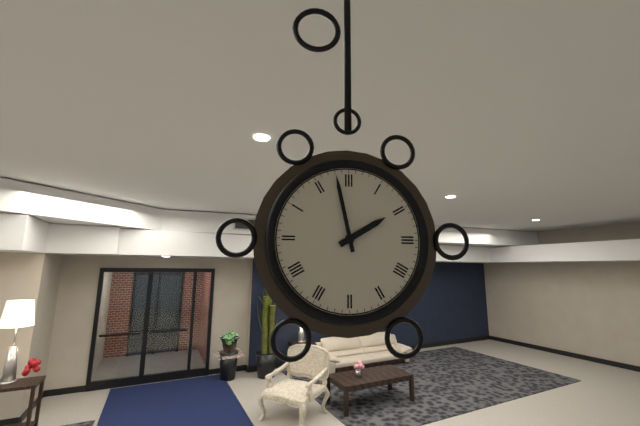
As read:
1,58
